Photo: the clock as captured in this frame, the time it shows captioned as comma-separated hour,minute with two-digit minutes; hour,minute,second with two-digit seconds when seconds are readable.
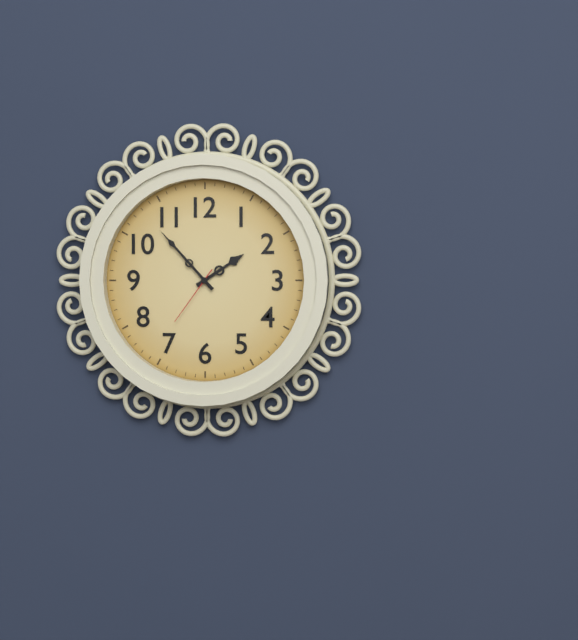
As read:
1,53,36
